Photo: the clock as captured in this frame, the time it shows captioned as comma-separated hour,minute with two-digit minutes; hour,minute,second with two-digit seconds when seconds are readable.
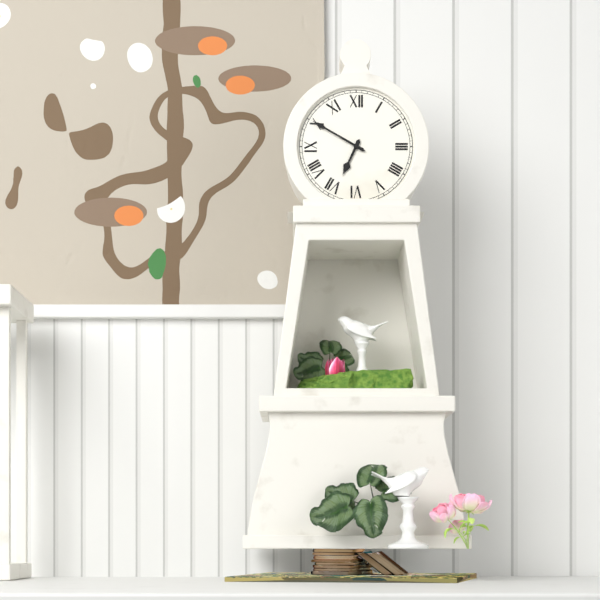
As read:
6,50
